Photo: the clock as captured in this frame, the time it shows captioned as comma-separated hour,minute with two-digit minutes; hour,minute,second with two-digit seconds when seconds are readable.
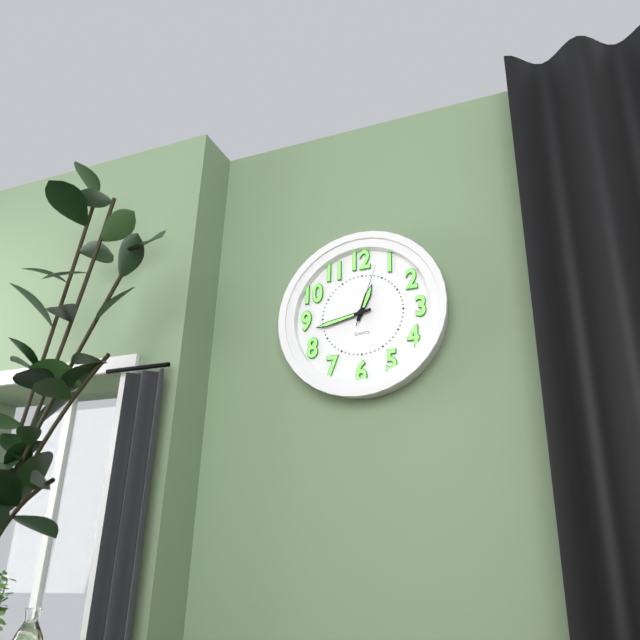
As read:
12,43,03
